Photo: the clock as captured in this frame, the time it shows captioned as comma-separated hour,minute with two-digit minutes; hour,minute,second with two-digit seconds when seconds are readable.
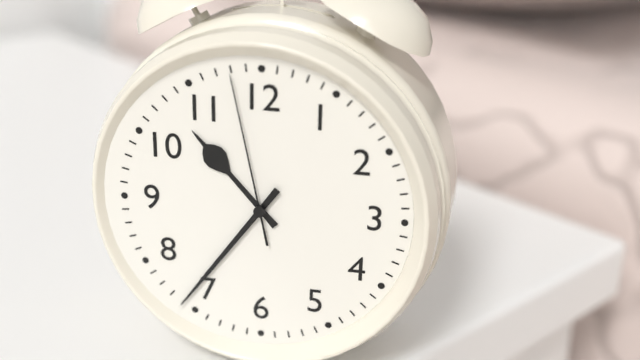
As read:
10,36,58
